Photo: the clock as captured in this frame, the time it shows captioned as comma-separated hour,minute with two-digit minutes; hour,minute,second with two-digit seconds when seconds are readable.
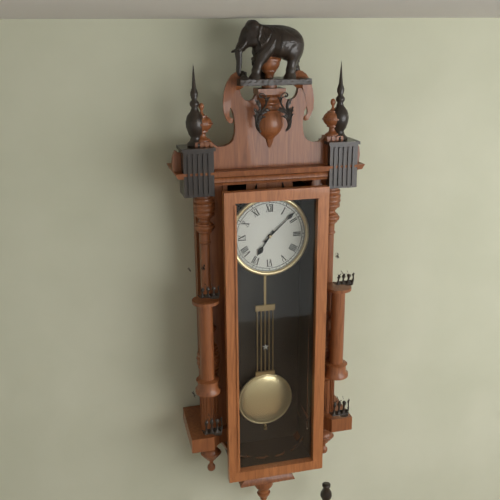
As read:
7,08
